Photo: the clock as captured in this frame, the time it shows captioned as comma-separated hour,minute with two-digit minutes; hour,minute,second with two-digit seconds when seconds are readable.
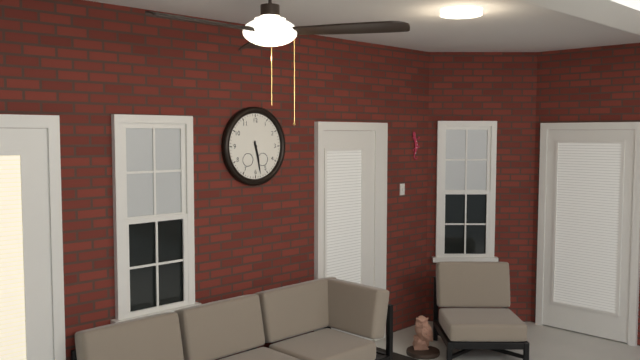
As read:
5,28
